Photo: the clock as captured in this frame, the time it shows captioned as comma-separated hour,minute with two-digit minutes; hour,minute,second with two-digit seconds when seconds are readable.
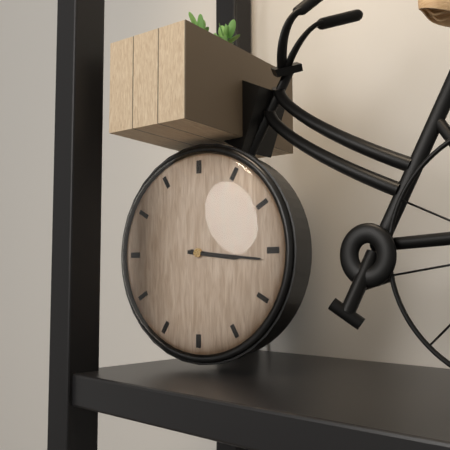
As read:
3,16
